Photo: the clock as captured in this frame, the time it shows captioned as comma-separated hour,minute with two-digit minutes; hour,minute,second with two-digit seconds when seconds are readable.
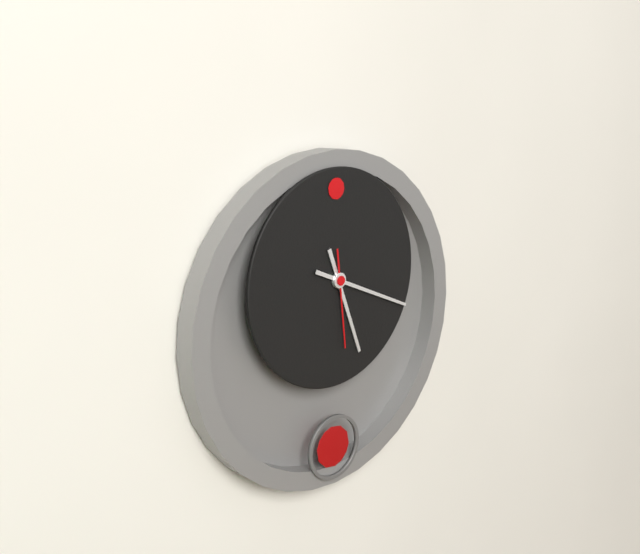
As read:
5,19,29
